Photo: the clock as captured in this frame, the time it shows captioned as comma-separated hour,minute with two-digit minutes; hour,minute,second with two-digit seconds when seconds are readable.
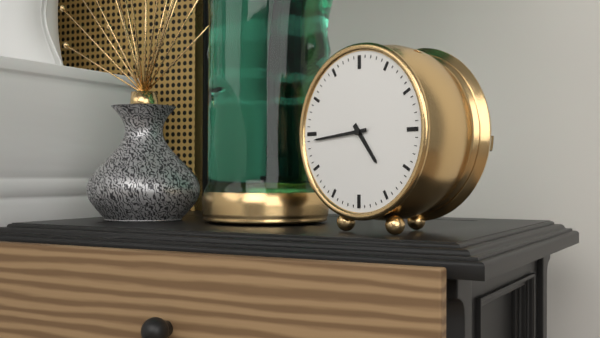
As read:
4,44
